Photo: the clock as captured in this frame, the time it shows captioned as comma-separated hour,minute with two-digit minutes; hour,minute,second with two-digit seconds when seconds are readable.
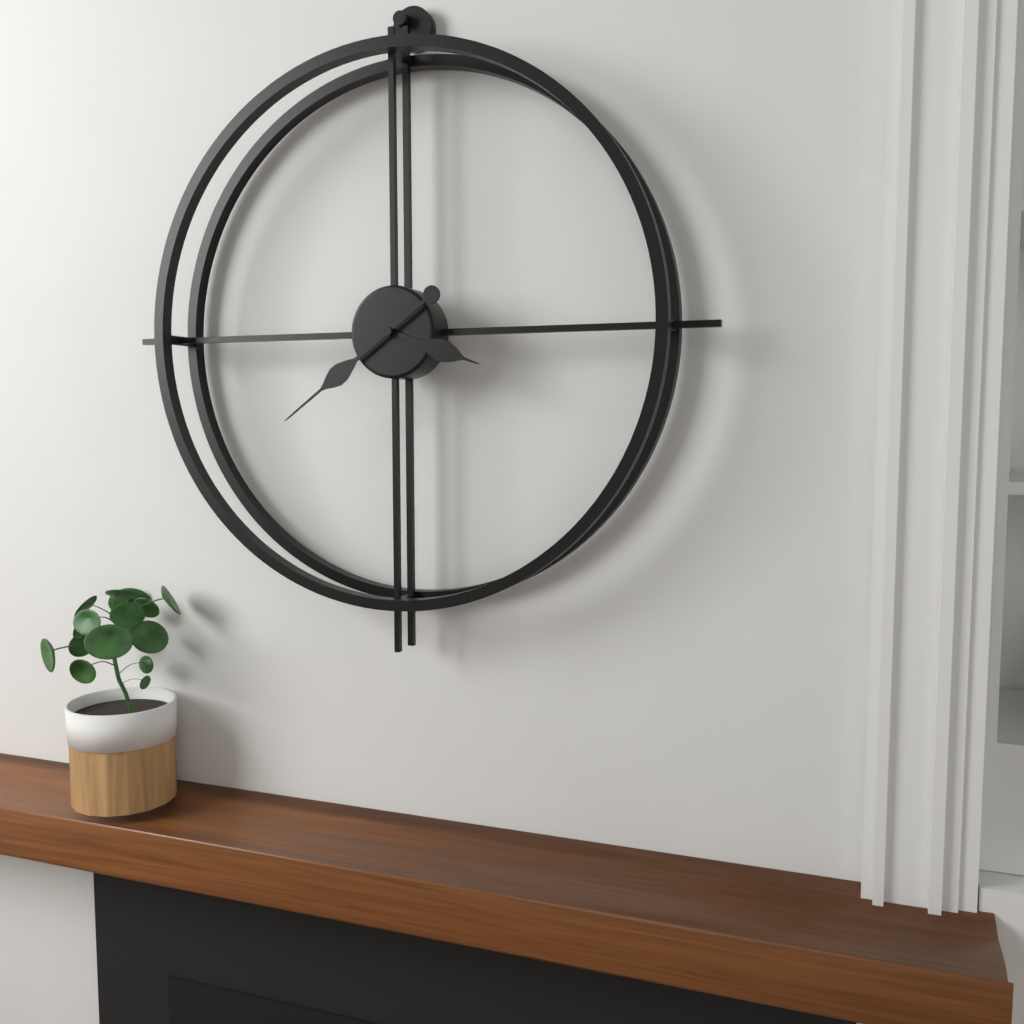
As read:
3,39
